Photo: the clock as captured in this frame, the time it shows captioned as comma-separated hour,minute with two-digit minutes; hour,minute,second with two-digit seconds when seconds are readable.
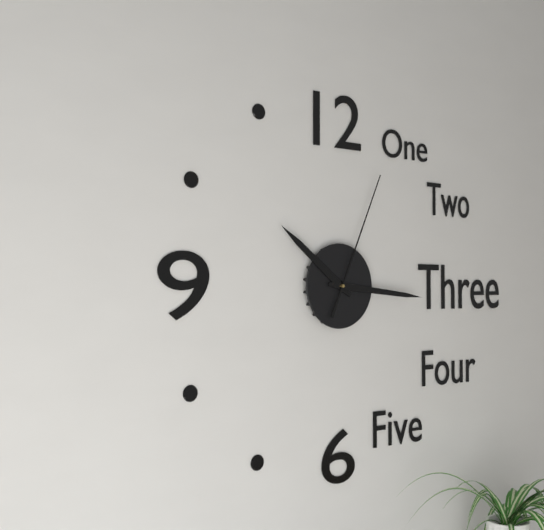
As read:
10,16,04
